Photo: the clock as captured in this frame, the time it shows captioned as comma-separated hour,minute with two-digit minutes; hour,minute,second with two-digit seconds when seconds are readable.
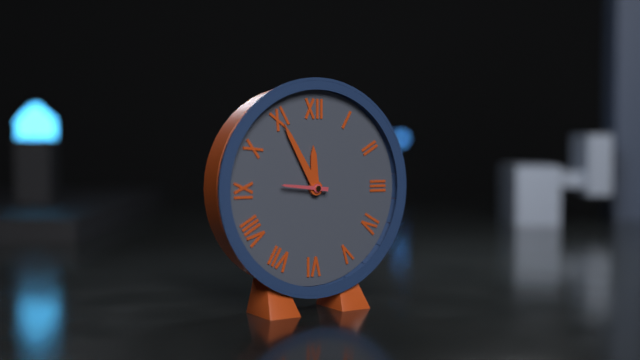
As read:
11,55
